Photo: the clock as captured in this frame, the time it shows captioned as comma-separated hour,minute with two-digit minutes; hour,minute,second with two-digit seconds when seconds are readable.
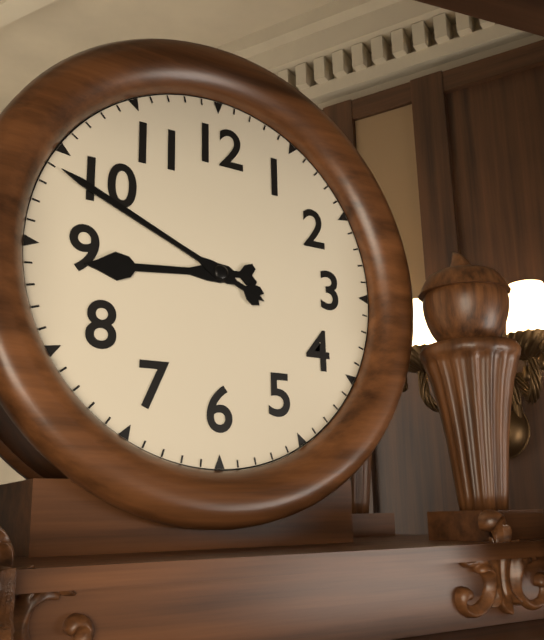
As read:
8,49
